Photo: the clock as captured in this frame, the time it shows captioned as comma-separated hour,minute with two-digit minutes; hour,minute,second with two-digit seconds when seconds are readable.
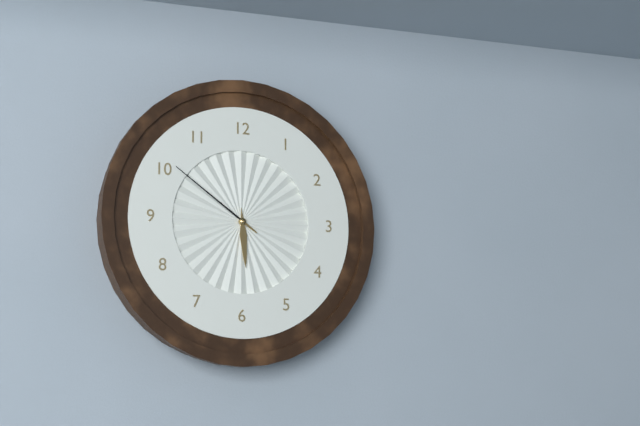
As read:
5,51
